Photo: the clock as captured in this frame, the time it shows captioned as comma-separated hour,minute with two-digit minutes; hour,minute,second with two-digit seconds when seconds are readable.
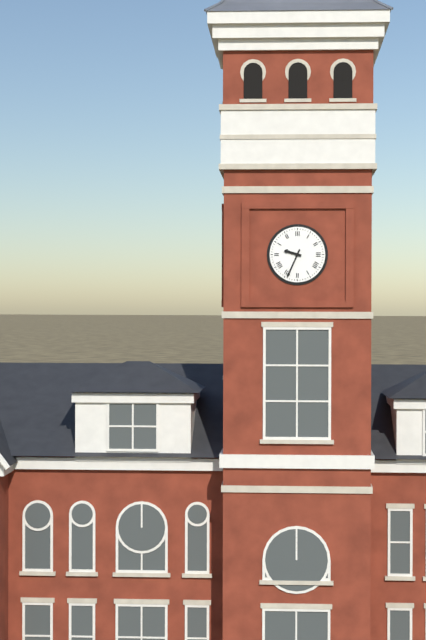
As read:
9,34
